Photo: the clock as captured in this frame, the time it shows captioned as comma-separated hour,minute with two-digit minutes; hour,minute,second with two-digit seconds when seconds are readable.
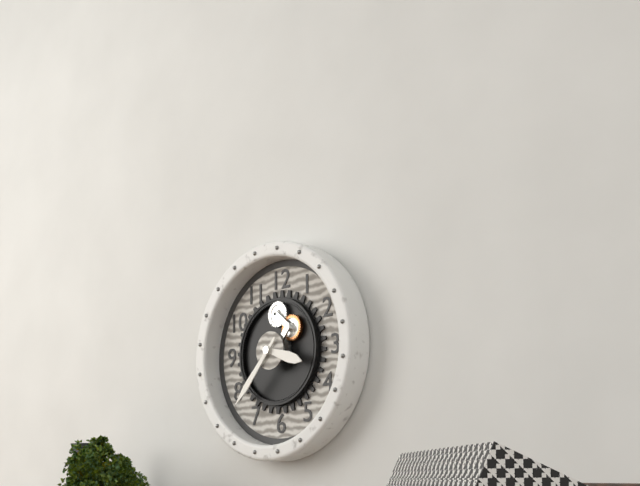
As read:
3,37
